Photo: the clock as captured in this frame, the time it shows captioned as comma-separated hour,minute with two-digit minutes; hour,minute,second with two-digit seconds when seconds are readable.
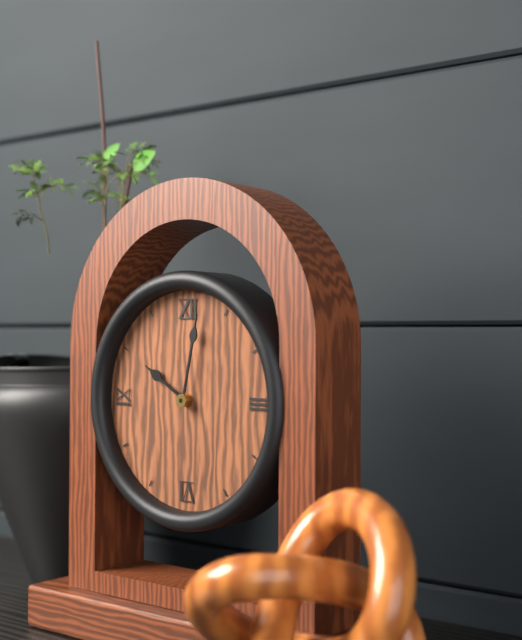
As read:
10,02
